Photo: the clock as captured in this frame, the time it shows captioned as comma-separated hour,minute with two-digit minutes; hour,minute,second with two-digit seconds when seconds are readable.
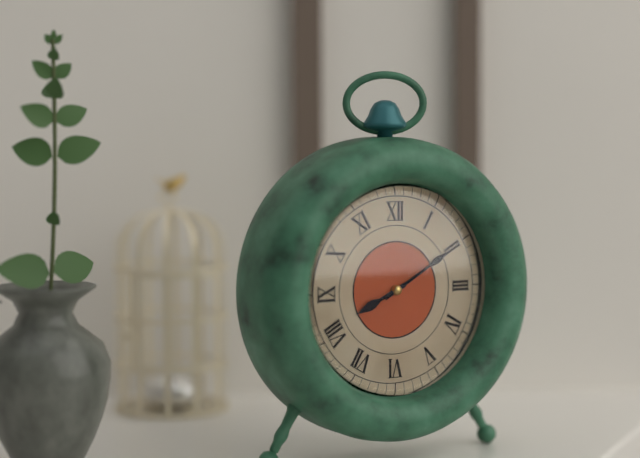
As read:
8,10
